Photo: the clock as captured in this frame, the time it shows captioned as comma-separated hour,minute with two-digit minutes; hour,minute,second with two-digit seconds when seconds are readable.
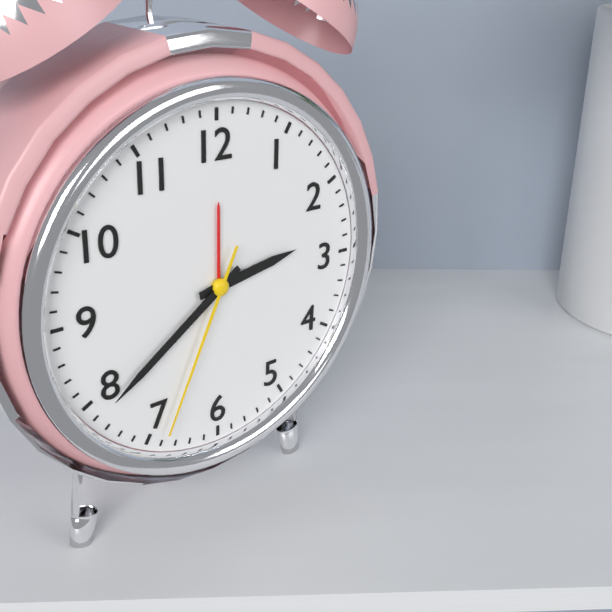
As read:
2,39,34
